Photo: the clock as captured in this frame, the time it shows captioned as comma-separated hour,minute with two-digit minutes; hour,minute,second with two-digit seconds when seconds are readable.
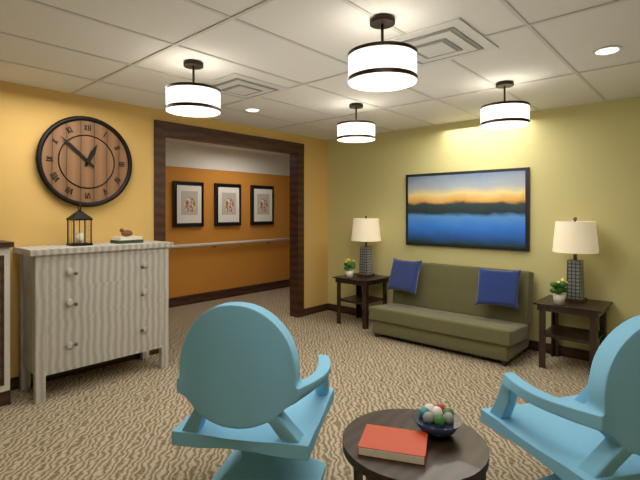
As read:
12,52
